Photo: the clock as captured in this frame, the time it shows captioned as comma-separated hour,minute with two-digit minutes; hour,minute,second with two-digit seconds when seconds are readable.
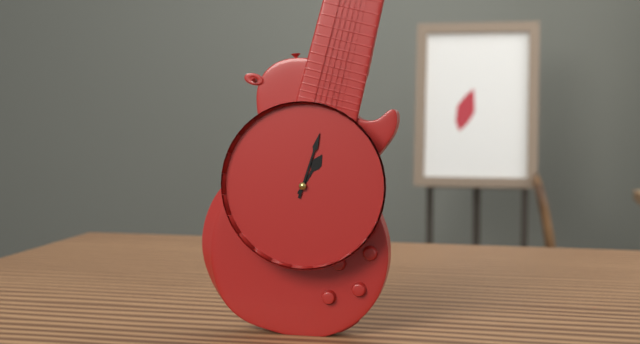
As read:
1,03
